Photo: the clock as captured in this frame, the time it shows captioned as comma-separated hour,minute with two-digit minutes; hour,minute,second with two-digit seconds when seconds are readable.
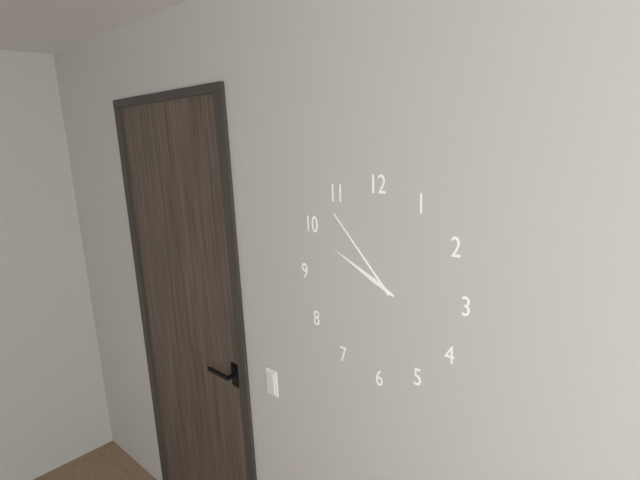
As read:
9,53
